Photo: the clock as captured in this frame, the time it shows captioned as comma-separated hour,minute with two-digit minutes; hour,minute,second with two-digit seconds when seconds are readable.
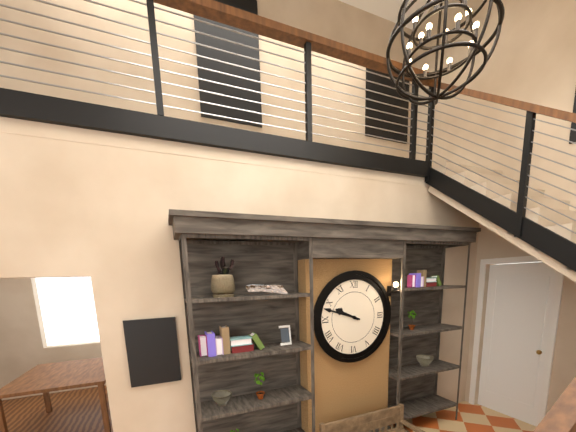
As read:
9,48
